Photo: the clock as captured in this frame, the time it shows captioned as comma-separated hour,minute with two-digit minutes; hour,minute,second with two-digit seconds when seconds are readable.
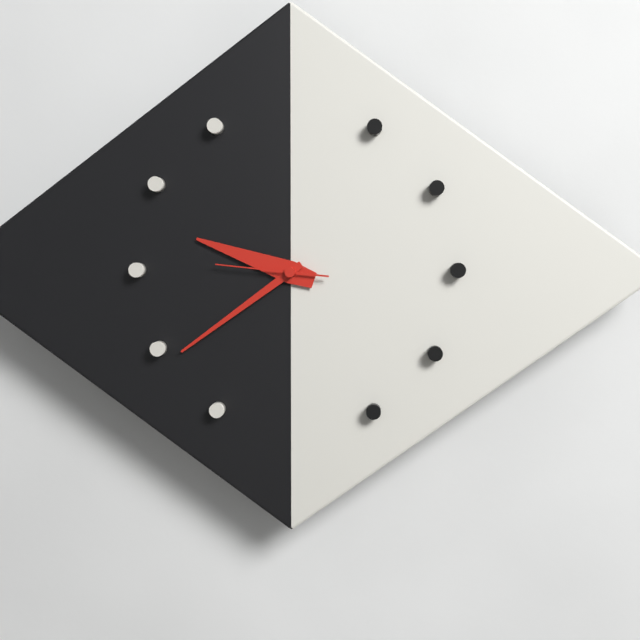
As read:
9,39,46
